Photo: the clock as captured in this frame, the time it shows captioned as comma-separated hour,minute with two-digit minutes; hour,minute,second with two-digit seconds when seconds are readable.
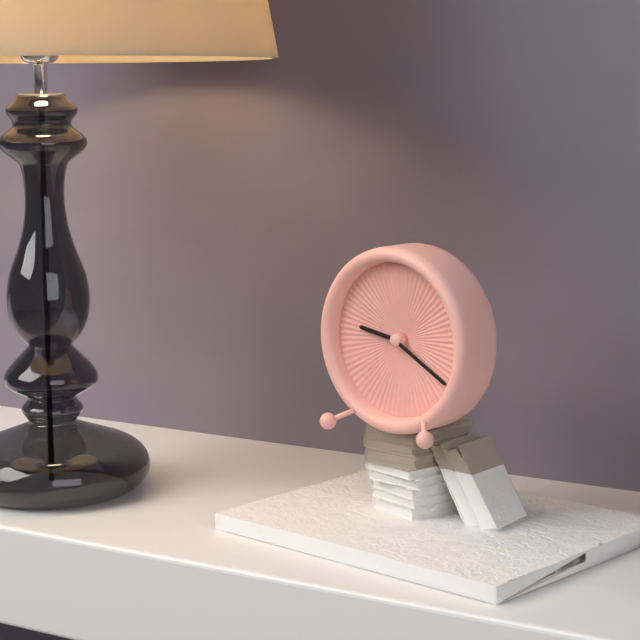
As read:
9,20
